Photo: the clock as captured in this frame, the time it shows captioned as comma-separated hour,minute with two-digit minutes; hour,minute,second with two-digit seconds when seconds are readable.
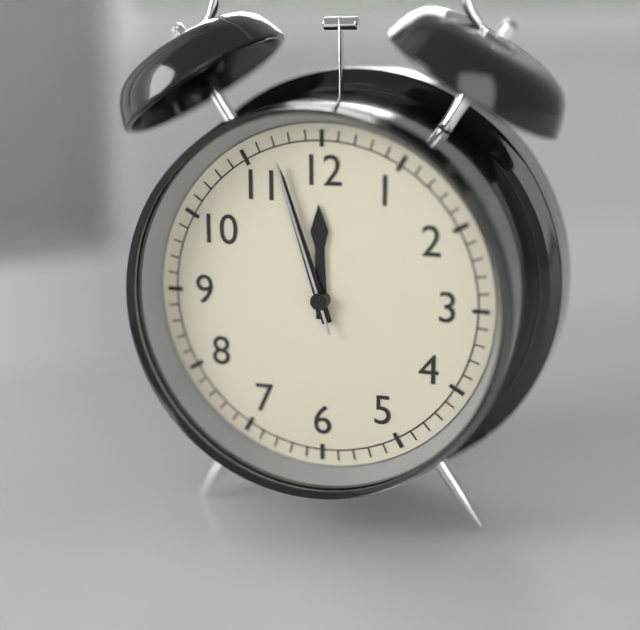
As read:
11,57,57
